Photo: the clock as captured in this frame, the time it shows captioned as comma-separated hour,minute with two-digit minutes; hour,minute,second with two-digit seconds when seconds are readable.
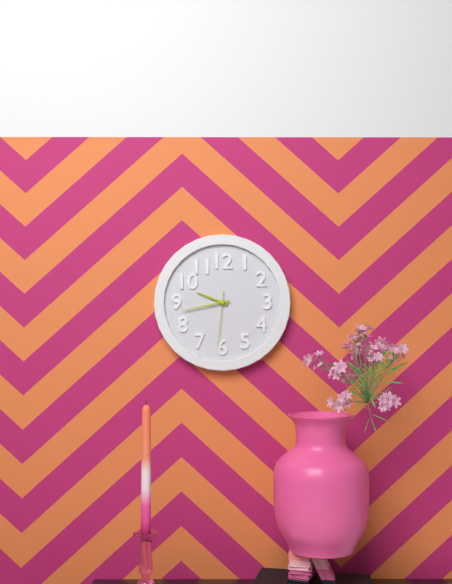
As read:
9,43,31
